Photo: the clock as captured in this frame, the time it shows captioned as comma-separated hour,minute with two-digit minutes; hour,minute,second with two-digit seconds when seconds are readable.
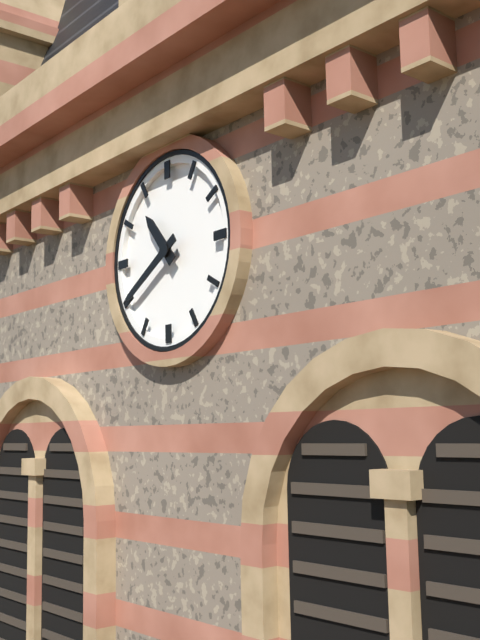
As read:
10,40
